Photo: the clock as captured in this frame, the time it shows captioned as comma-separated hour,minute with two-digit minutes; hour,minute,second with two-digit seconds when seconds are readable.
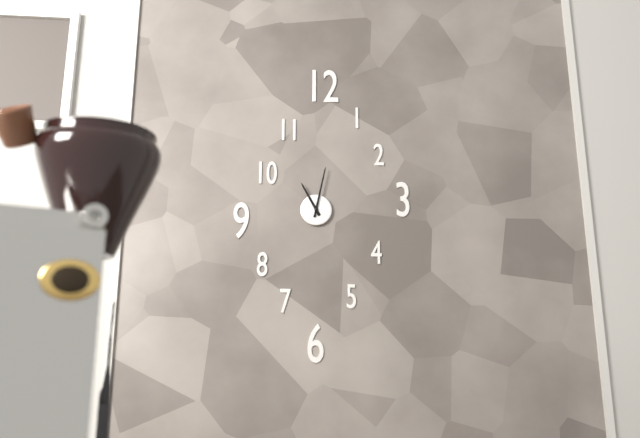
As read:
11,02
